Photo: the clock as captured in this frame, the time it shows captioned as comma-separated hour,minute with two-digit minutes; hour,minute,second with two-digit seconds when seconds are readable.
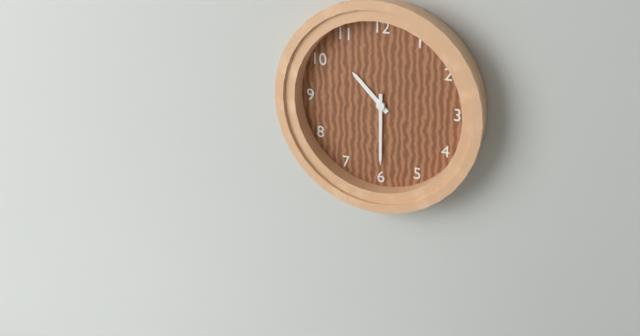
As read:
10,30
